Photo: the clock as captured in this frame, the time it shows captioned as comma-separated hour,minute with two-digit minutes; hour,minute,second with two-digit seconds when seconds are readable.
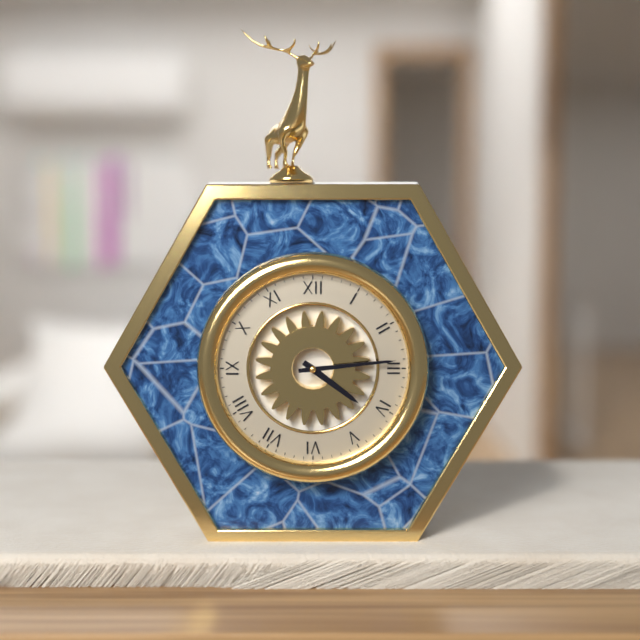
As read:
4,14
